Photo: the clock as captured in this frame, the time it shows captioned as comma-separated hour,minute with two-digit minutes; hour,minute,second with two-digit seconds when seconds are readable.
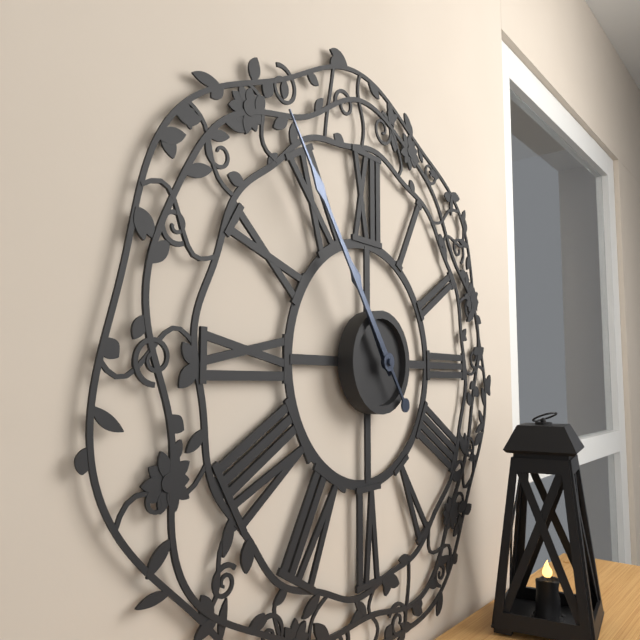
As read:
10,54
